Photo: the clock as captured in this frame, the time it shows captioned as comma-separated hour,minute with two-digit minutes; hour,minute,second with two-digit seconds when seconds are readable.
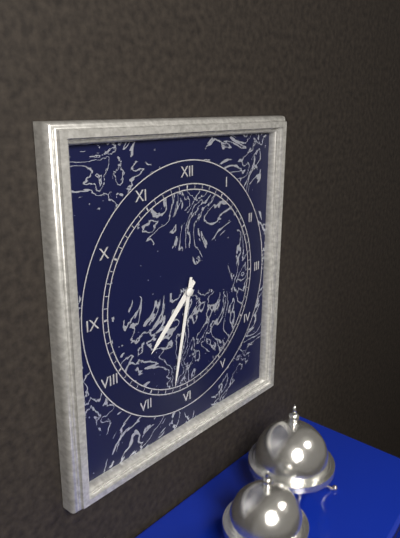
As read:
7,32
